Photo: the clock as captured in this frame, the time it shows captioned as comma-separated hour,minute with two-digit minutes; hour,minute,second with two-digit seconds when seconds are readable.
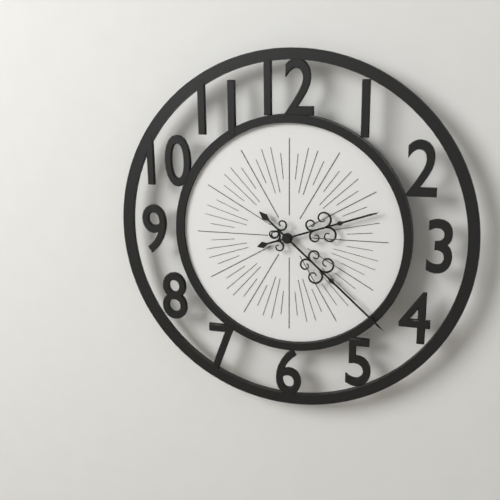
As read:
2,22
